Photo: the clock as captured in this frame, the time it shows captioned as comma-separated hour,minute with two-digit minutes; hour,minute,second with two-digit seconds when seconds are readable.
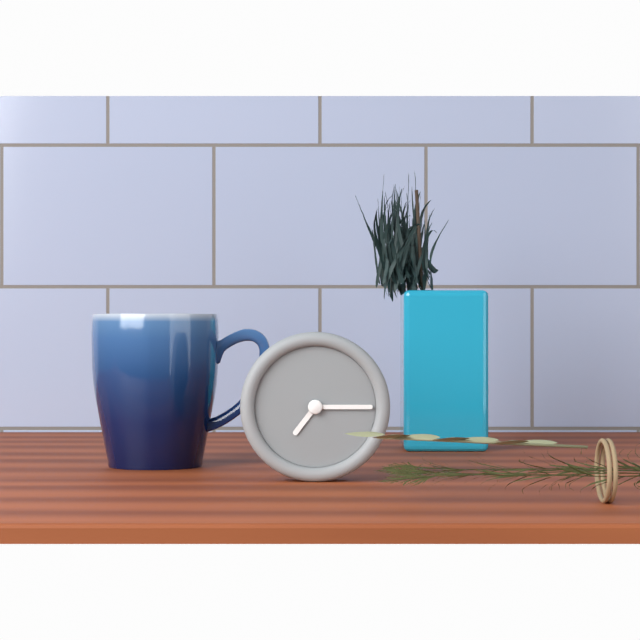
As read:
7,15
